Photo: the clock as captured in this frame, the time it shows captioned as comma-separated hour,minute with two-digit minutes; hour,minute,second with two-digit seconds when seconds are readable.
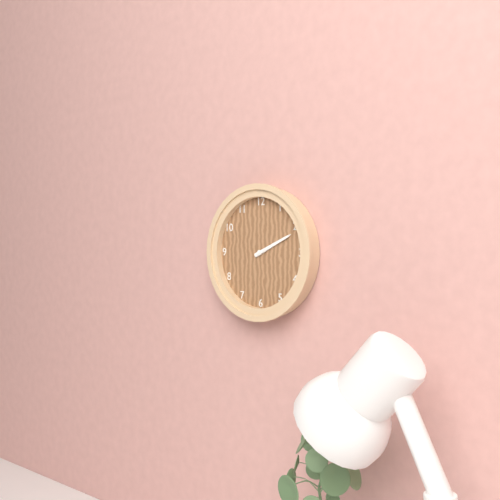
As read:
2,11
